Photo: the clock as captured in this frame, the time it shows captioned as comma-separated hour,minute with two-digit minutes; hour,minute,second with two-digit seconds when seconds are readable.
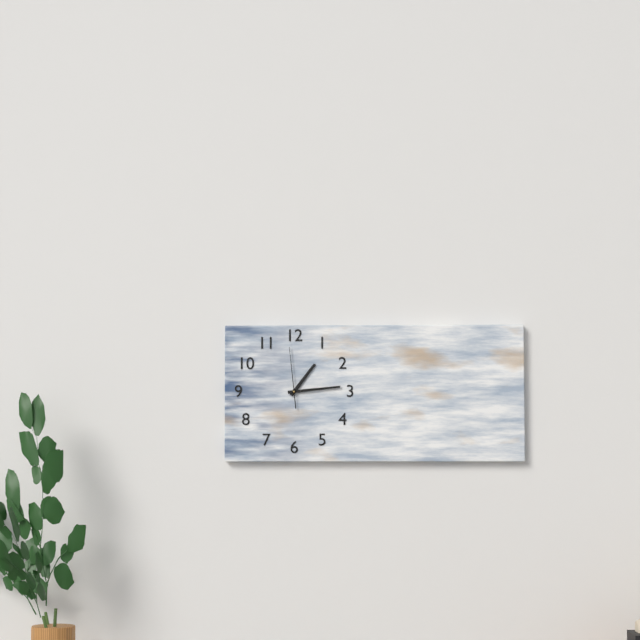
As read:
1,14,59
